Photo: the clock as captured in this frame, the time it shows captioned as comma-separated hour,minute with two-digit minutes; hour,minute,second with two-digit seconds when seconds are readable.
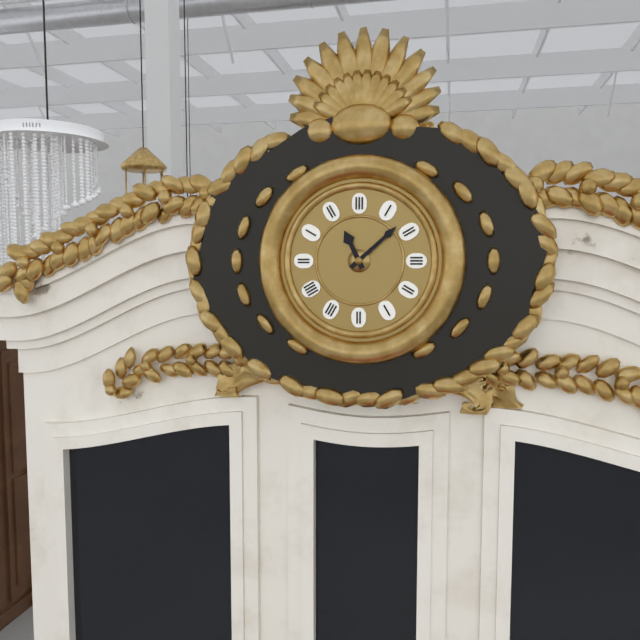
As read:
11,08
